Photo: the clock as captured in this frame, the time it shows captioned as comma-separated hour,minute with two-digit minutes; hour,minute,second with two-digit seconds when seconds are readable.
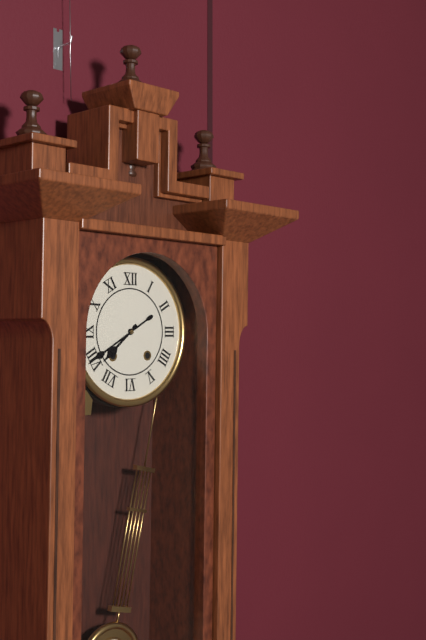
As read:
7,40
